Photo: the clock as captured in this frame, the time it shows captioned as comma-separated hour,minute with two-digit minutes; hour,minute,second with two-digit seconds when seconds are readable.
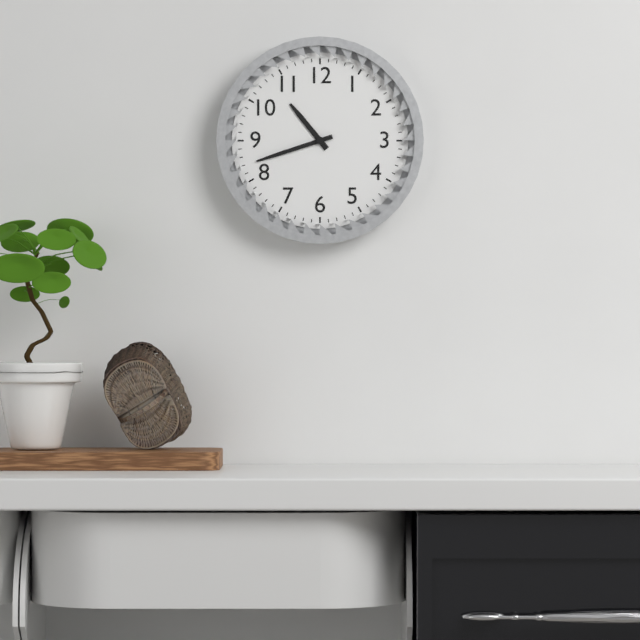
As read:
10,42
